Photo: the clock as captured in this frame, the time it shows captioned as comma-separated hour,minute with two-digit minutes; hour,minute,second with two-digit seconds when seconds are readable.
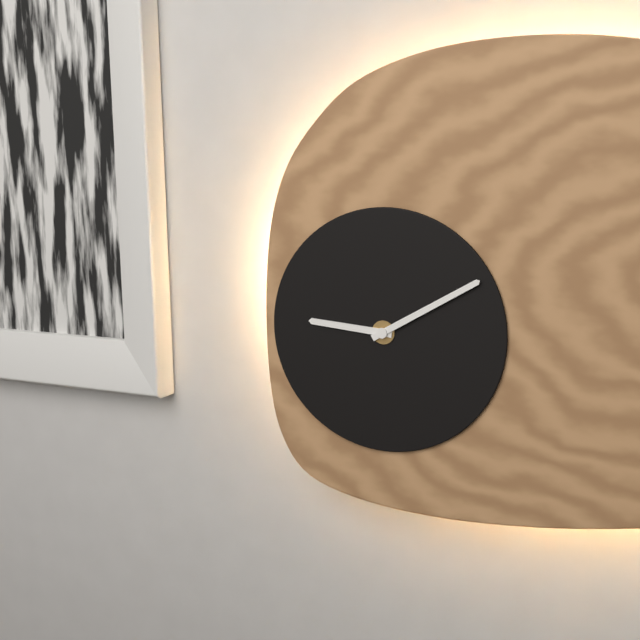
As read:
9,10
